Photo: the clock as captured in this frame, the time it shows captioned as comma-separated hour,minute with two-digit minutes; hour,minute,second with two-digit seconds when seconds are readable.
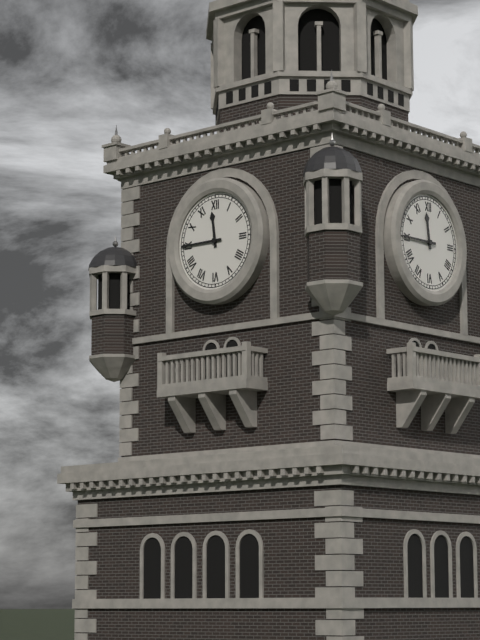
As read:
11,45
